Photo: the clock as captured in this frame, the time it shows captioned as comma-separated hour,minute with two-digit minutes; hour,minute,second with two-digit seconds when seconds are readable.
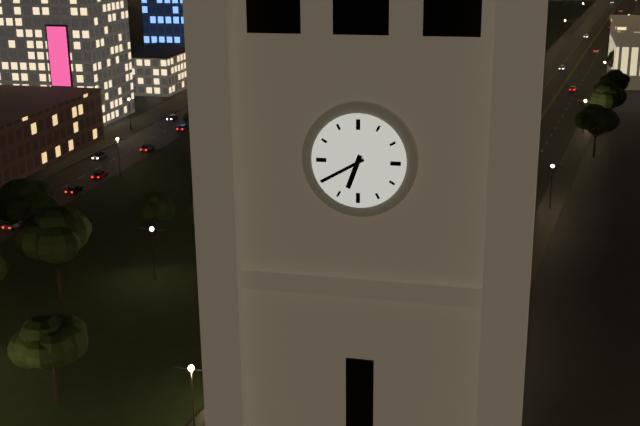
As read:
6,40
